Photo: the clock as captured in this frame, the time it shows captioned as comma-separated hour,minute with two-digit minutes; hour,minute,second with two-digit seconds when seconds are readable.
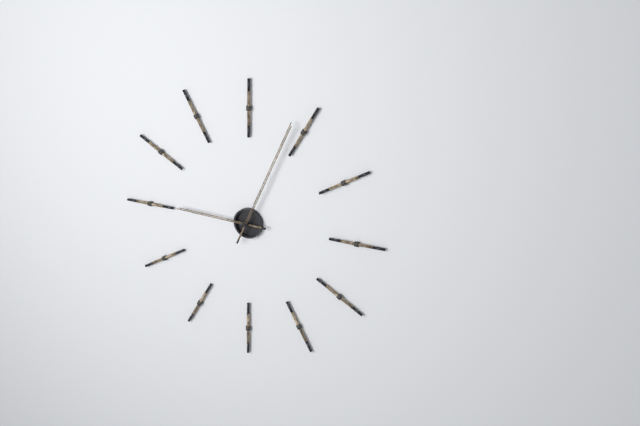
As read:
9,04
